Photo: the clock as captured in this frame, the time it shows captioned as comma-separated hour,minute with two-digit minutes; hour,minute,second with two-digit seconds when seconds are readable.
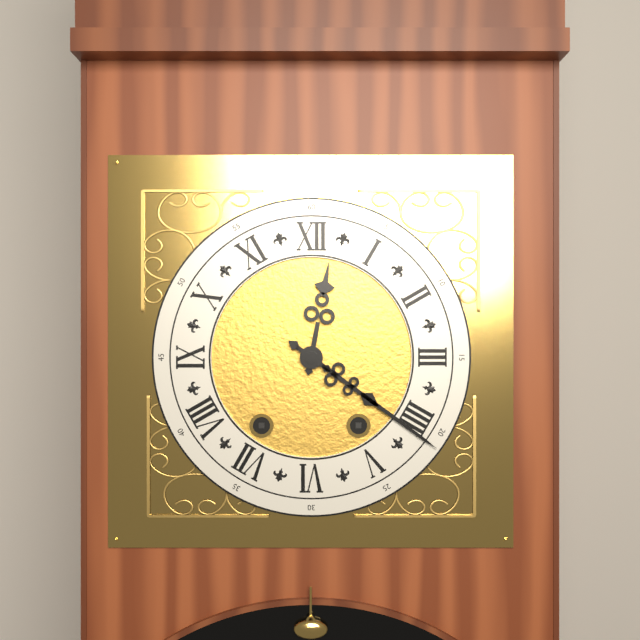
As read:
12,21
